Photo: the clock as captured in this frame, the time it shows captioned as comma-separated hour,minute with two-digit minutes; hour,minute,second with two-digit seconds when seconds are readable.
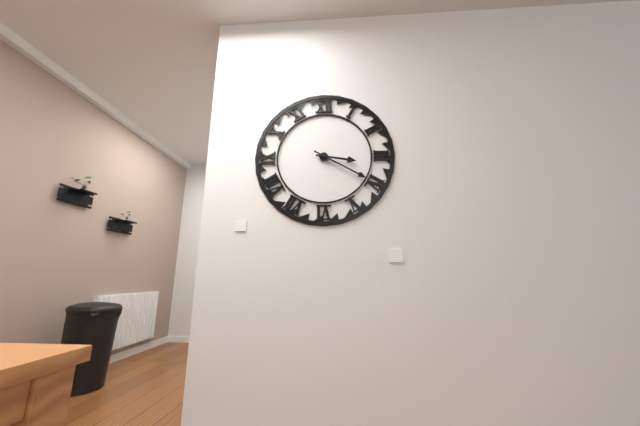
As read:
3,20
